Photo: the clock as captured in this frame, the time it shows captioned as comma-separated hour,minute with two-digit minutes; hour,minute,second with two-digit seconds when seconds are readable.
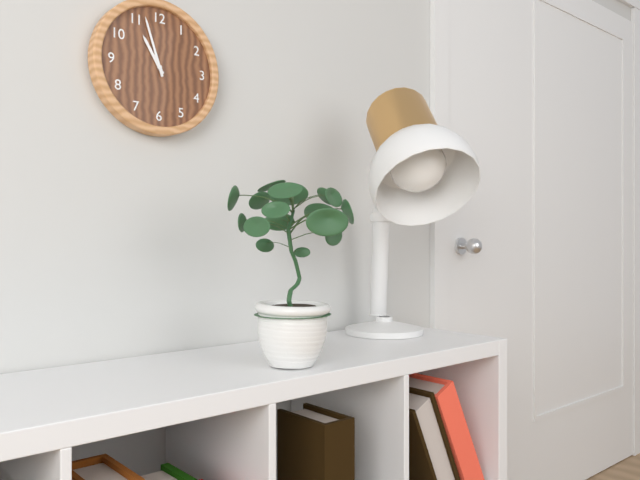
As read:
10,57
